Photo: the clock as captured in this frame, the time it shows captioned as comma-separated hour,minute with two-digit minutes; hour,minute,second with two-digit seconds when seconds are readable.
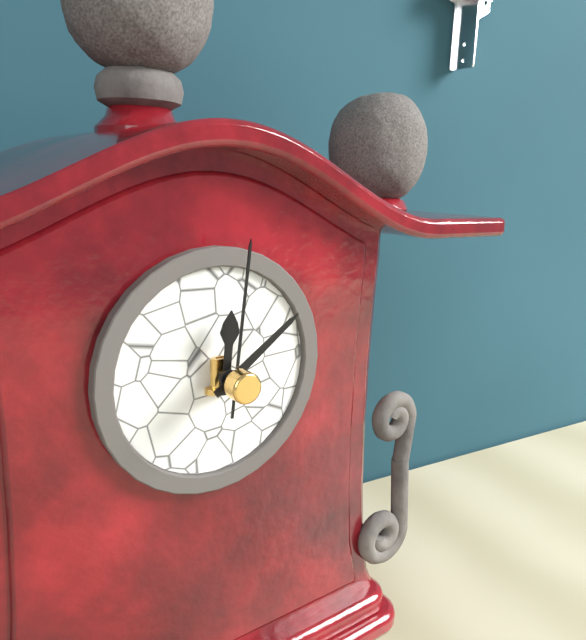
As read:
12,09,01
